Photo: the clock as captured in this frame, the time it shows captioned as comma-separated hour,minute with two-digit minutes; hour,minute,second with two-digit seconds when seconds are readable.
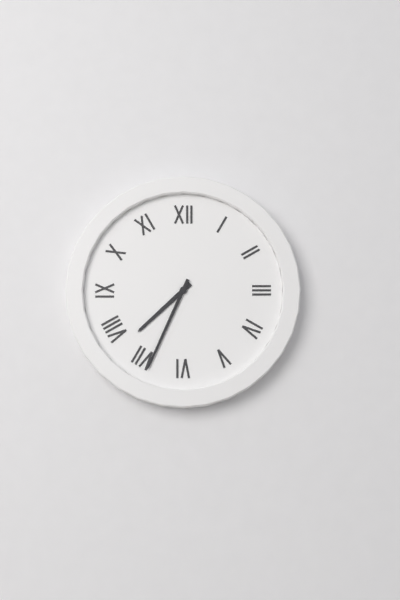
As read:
7,34
